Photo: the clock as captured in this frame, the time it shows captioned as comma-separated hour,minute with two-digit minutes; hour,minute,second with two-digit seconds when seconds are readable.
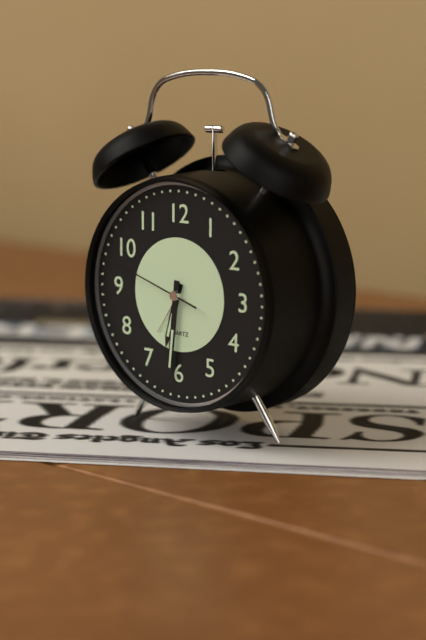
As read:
6,31,48
